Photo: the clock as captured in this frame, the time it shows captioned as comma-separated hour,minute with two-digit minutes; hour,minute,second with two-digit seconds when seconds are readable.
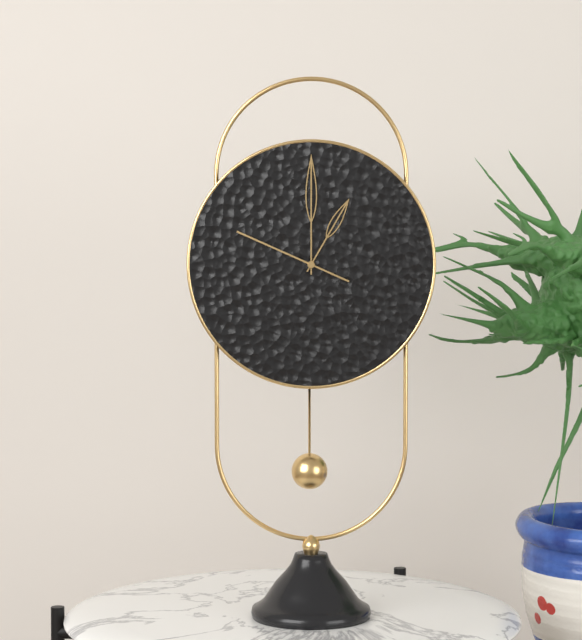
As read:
1,00,49
